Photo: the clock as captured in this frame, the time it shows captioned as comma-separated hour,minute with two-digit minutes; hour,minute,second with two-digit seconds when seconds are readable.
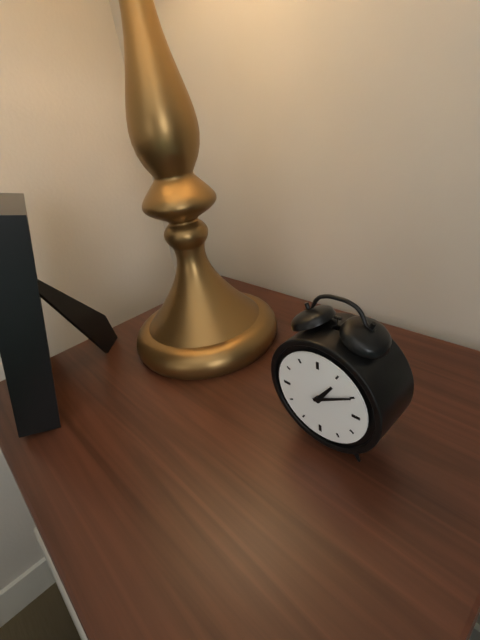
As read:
1,10
